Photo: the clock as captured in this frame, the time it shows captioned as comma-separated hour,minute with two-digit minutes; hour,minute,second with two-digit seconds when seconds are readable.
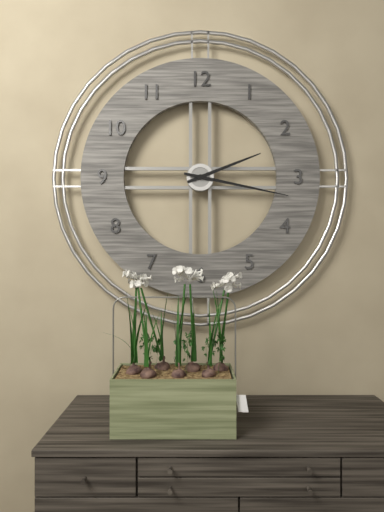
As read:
2,17
